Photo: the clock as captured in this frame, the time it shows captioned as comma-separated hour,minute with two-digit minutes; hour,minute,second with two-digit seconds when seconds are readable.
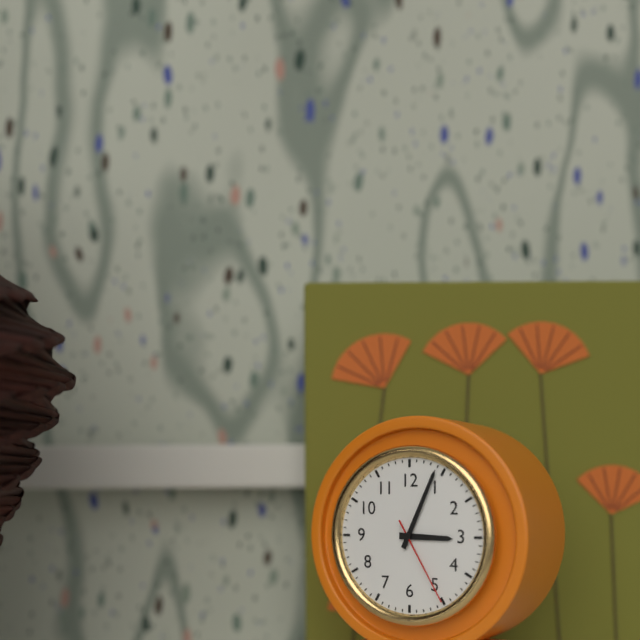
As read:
3,04,25
